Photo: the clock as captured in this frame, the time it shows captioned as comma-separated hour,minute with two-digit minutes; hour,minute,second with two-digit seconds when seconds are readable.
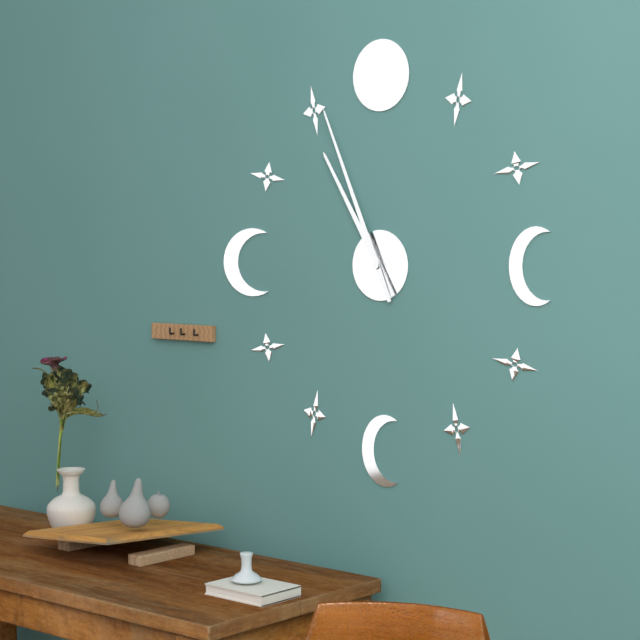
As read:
10,56
